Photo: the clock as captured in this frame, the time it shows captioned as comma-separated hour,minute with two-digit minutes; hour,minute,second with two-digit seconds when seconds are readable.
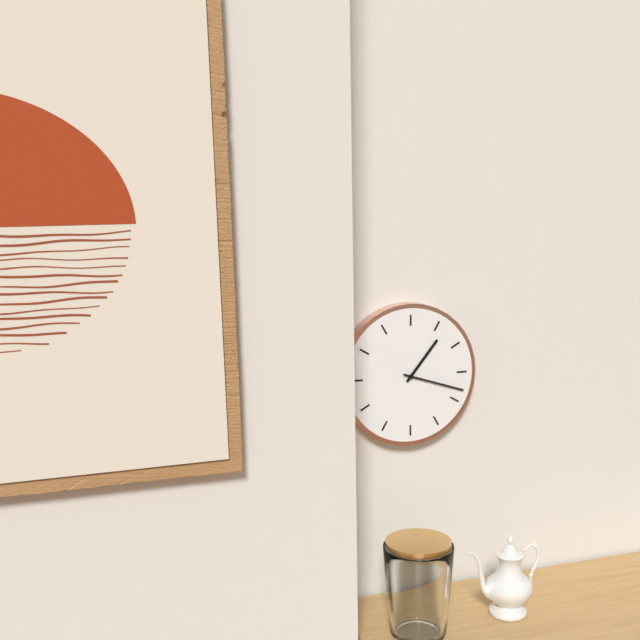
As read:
1,18
